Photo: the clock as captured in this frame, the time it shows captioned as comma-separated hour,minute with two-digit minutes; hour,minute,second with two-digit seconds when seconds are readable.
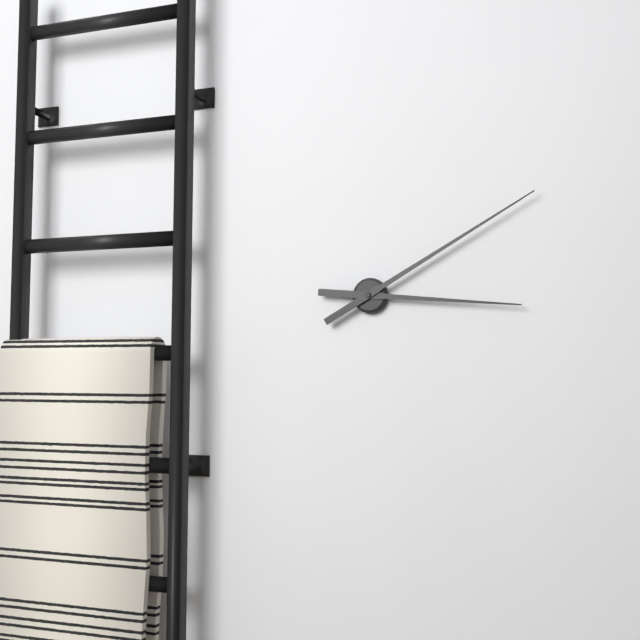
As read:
3,10
